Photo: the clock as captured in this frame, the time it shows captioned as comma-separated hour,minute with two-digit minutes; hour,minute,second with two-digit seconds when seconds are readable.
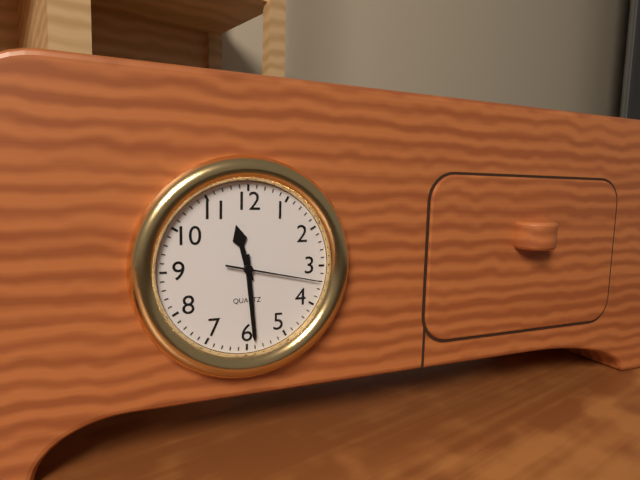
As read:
11,29,17
